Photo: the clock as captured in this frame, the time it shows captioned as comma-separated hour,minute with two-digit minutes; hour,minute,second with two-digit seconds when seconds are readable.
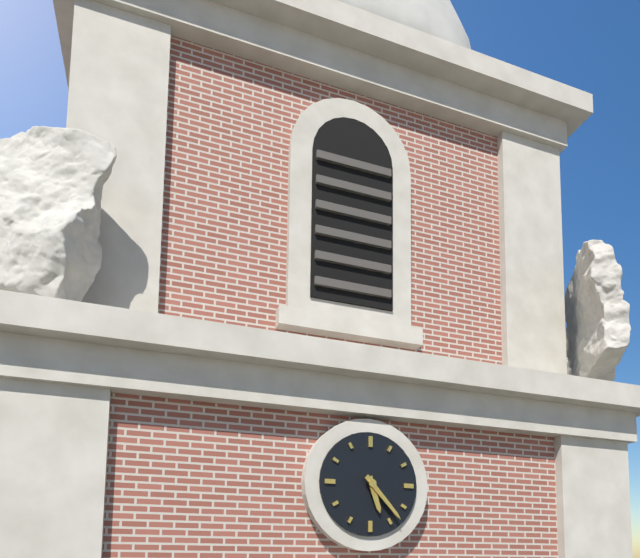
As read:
5,23
